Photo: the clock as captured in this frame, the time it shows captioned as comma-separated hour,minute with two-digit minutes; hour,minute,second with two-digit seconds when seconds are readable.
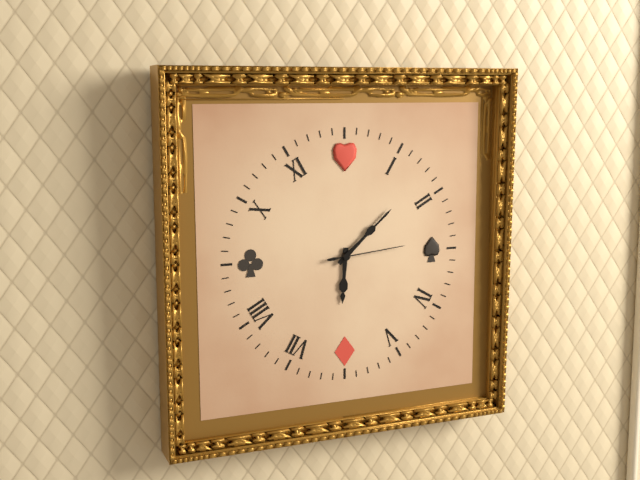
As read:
6,08,14
